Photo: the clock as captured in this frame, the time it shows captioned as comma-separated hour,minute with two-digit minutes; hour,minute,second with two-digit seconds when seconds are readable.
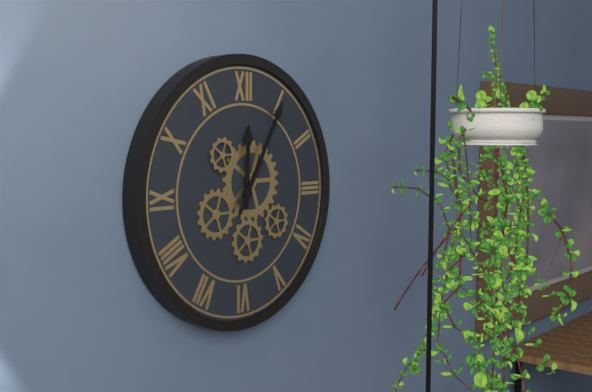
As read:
12,05
